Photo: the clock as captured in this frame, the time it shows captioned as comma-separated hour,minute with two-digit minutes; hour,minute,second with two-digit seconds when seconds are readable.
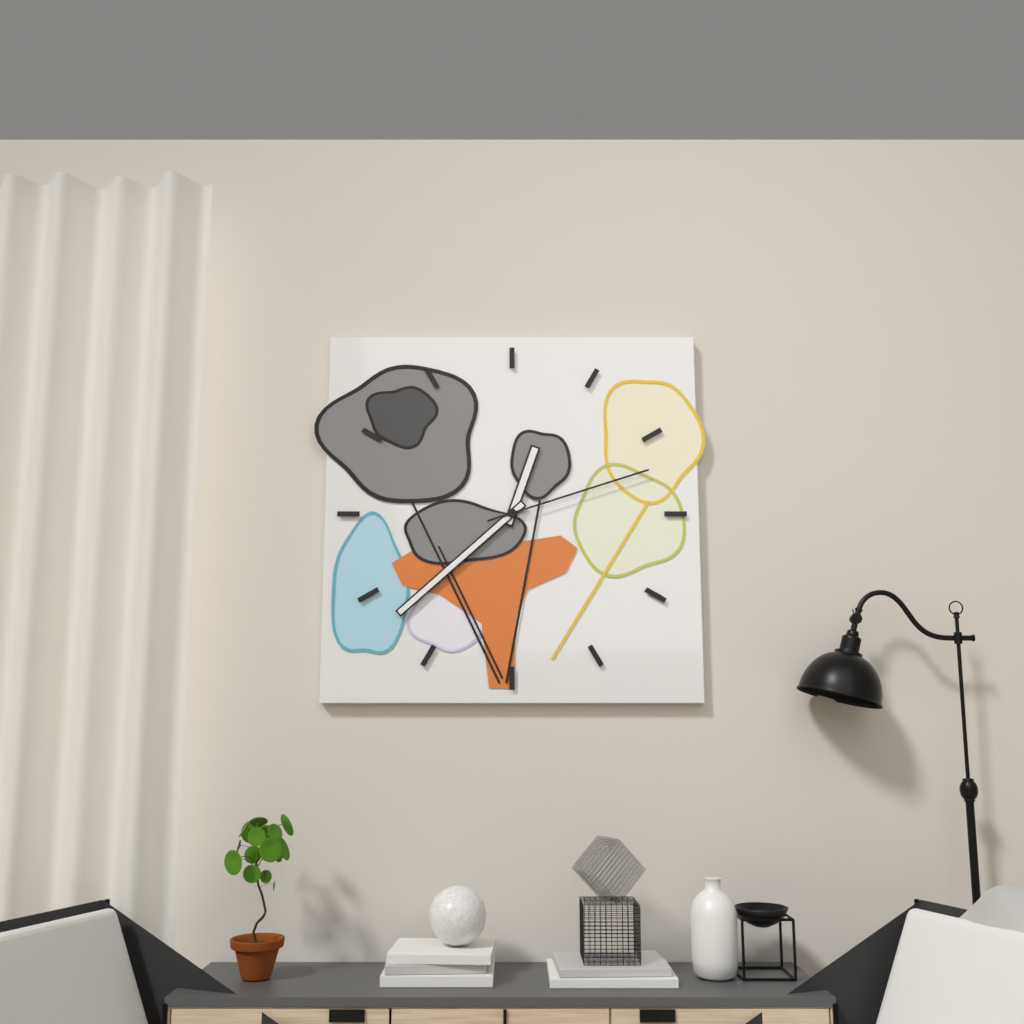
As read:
12,38,12
